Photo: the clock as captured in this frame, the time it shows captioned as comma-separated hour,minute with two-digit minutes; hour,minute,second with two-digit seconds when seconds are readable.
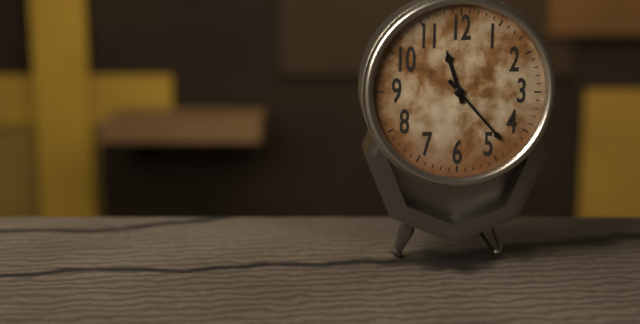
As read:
11,23
